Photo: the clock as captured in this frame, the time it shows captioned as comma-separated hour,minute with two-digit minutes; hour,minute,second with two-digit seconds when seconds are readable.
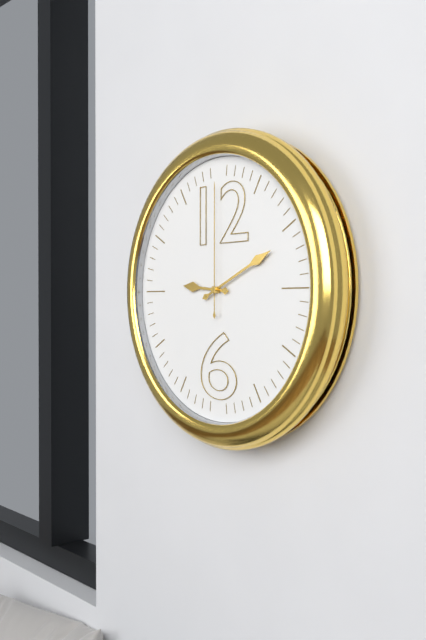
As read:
9,11,00
